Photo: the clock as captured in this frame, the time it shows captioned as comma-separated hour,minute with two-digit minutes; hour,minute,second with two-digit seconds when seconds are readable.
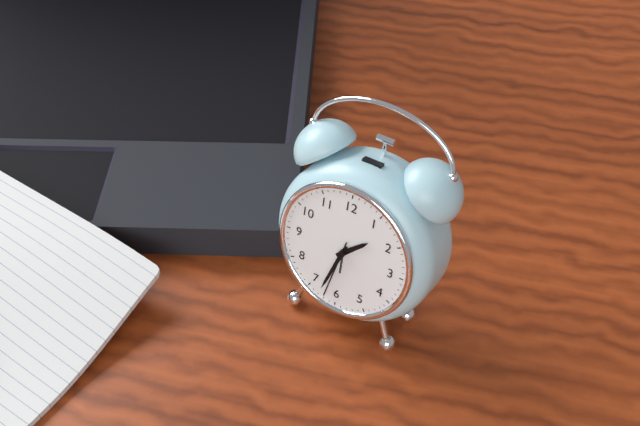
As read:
1,33,32
